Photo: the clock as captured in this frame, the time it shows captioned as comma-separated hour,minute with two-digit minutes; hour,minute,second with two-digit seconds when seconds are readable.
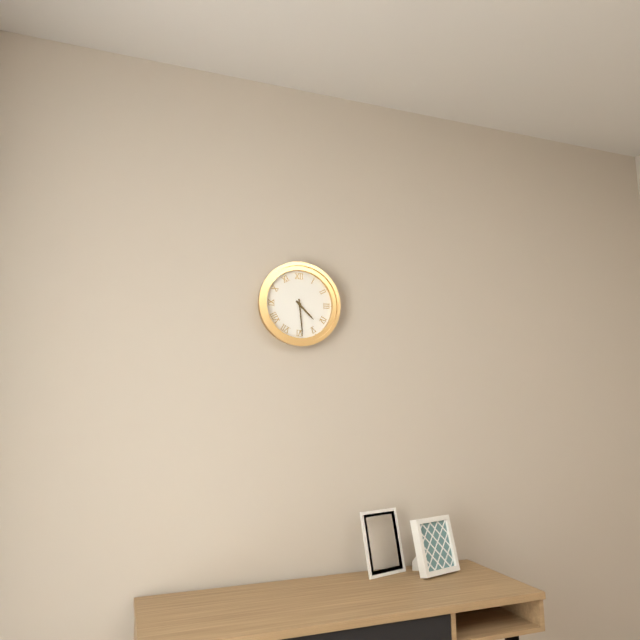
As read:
4,29
